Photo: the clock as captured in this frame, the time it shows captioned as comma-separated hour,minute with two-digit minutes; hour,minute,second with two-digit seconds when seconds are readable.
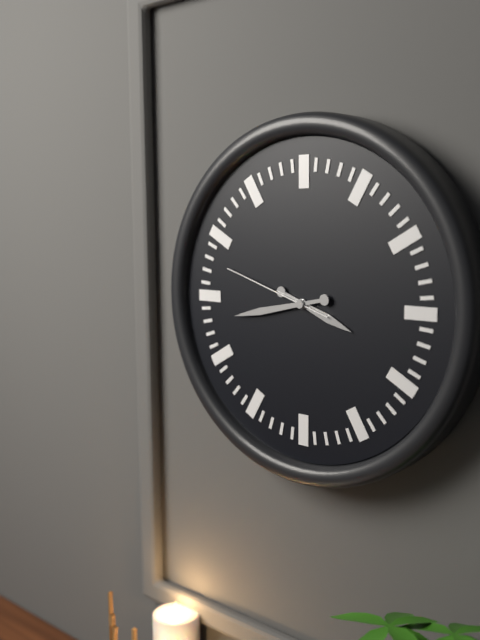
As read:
3,43,48
